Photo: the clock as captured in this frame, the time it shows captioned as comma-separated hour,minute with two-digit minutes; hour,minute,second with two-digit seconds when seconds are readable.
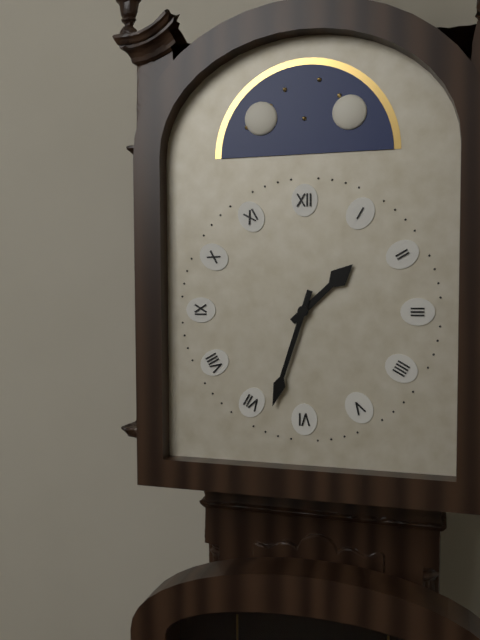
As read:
1,33
